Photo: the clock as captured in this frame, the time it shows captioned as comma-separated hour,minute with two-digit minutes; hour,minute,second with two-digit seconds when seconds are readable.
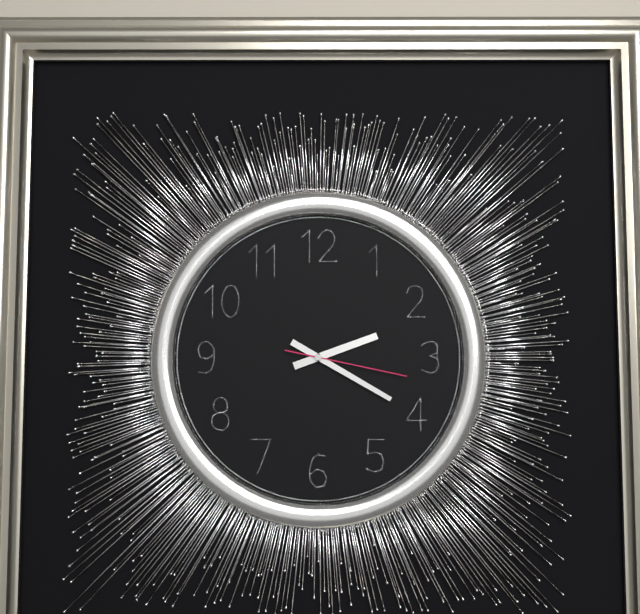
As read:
2,20,17
